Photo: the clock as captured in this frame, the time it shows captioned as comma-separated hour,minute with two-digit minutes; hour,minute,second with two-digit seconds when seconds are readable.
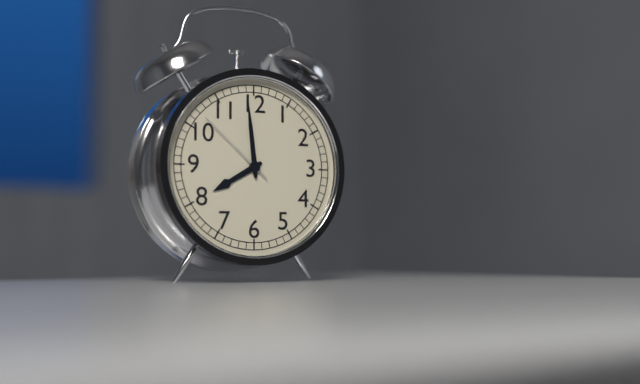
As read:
7,59,52
